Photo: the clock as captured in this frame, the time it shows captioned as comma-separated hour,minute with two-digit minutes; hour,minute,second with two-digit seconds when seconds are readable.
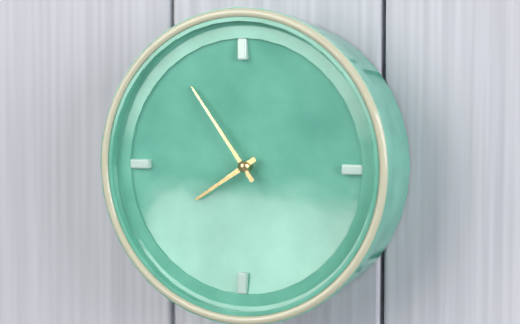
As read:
7,54
